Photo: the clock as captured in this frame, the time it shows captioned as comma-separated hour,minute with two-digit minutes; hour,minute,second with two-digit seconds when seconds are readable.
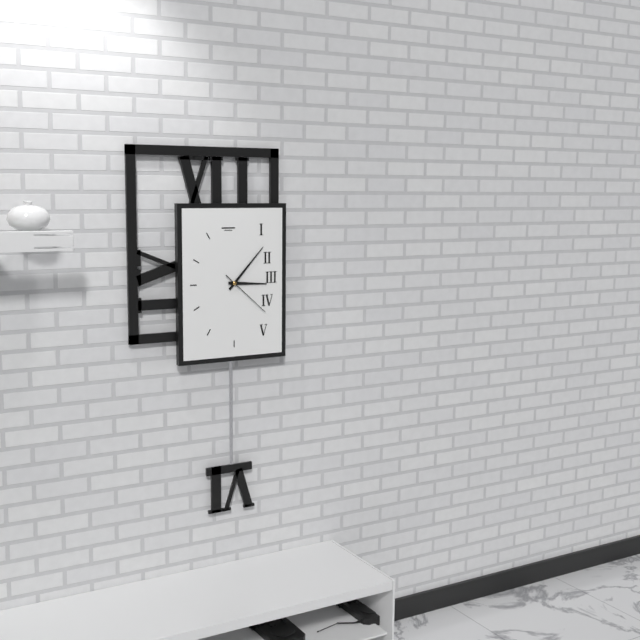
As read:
3,07,22
